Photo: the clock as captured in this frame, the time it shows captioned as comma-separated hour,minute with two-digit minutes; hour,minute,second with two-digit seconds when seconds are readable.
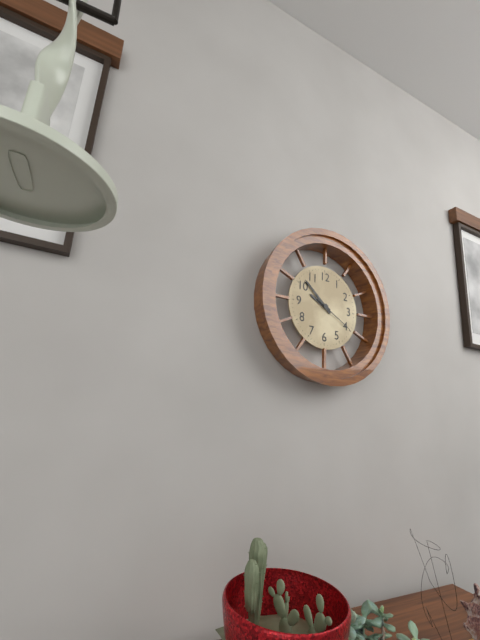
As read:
9,52
